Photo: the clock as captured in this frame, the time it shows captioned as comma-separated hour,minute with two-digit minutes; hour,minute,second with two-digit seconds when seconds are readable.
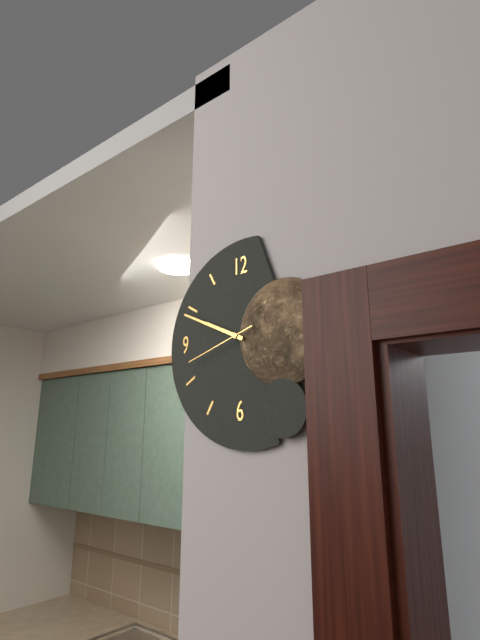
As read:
9,49,42
